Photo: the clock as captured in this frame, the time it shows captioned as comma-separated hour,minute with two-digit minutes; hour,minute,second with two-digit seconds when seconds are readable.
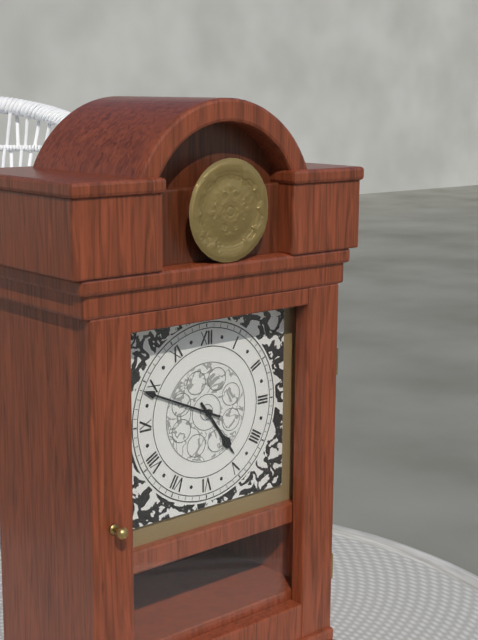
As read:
4,49
